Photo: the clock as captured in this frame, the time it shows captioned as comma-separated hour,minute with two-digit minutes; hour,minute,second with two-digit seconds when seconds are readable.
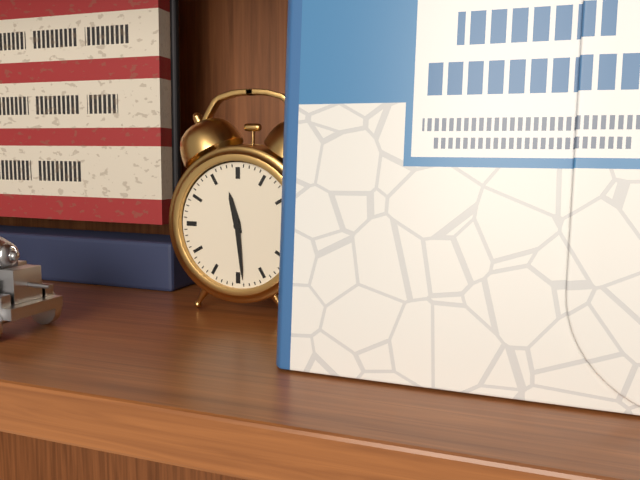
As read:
11,29
